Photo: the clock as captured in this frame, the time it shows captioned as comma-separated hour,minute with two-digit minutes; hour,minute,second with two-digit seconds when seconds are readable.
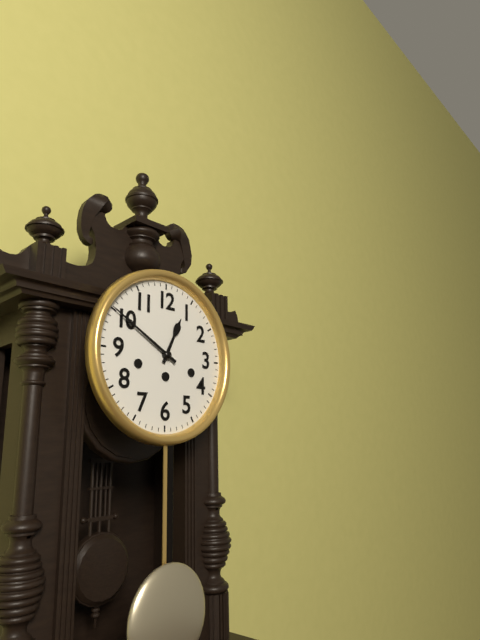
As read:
12,50
